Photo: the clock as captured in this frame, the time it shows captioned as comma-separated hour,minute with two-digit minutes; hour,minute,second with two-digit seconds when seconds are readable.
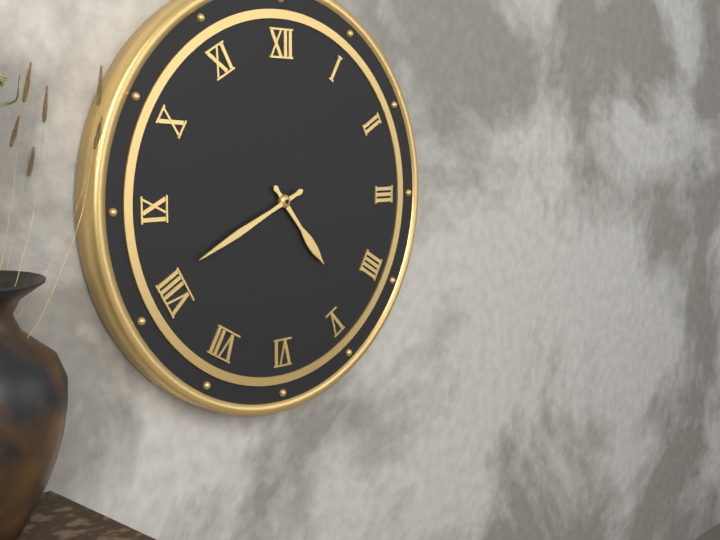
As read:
4,41
